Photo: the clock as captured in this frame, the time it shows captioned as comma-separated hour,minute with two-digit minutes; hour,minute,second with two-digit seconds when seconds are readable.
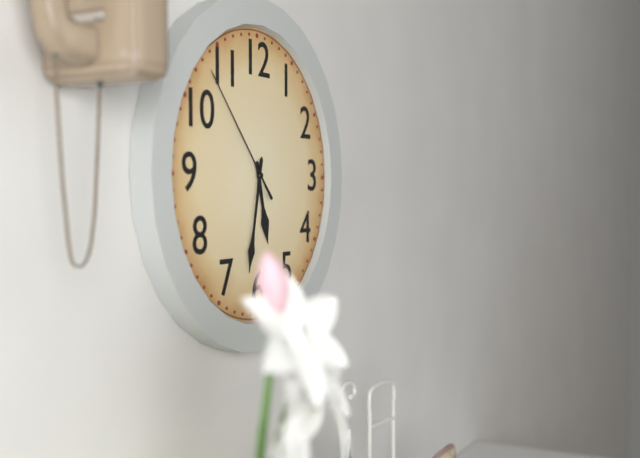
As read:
5,32,53
